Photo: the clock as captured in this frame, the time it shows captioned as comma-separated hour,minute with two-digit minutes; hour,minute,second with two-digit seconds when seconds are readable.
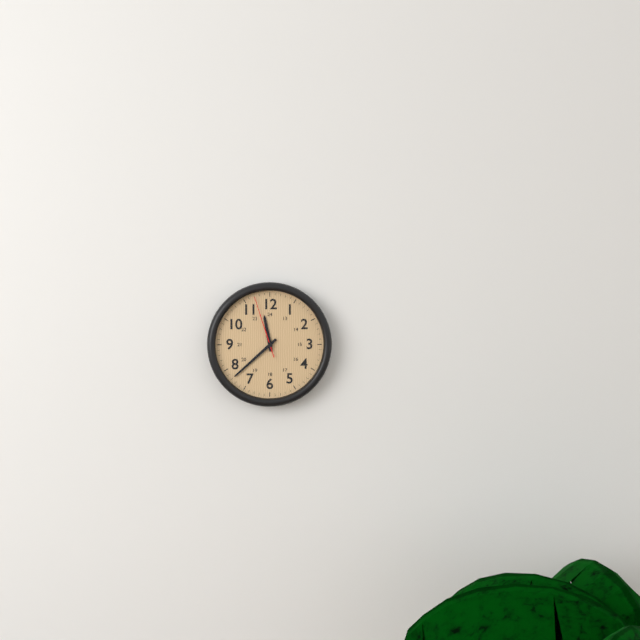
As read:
11,38,57
